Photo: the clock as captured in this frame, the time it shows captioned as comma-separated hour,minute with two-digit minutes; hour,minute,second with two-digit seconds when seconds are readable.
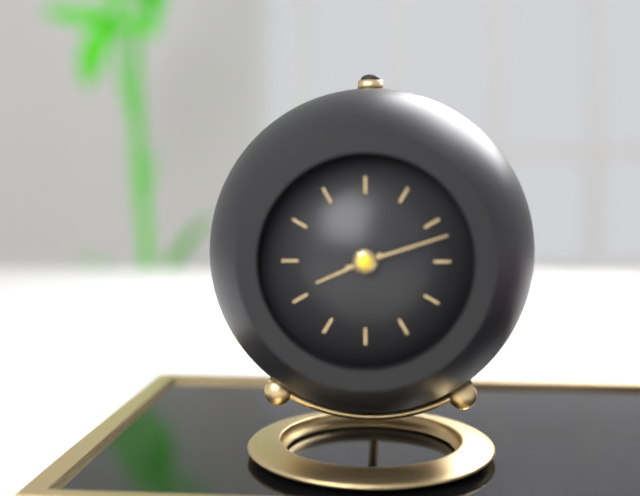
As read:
8,12
